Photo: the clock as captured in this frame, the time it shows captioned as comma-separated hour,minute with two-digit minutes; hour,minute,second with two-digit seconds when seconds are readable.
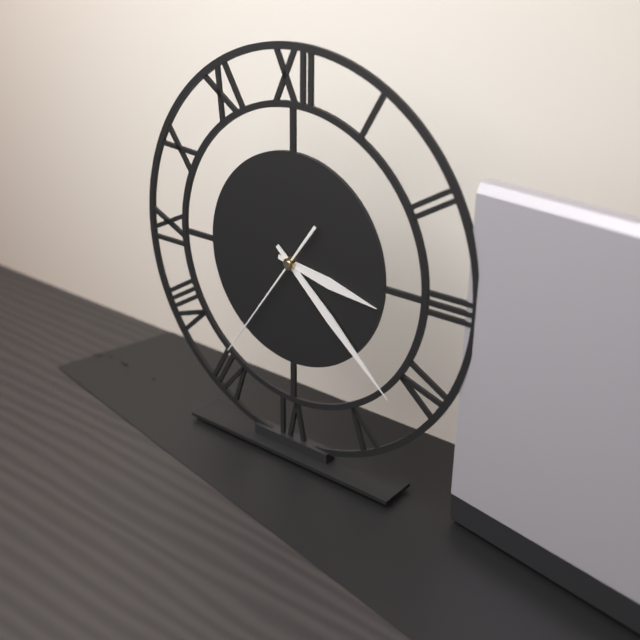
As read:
3,22,36
